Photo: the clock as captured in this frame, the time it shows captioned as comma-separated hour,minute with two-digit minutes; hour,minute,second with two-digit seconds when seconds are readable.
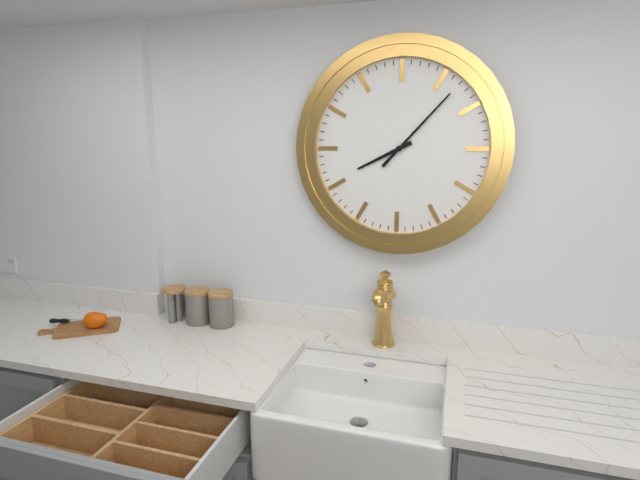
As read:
8,07
